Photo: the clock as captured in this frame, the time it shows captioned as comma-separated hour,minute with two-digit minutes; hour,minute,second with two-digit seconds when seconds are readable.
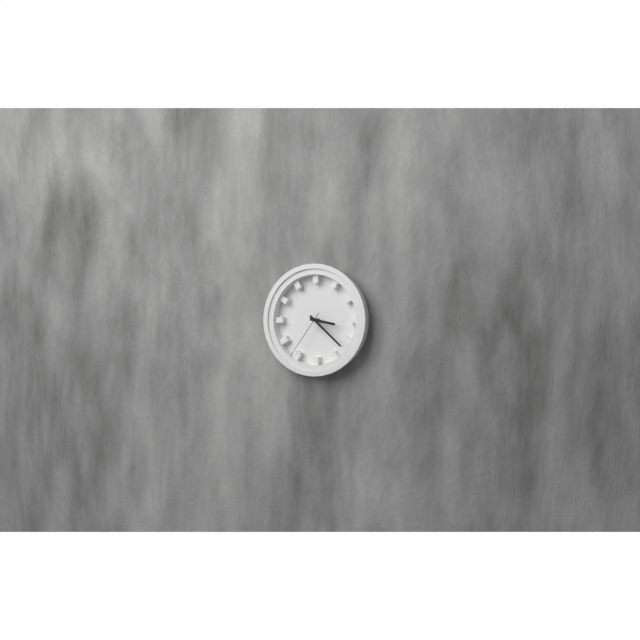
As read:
3,22,36
